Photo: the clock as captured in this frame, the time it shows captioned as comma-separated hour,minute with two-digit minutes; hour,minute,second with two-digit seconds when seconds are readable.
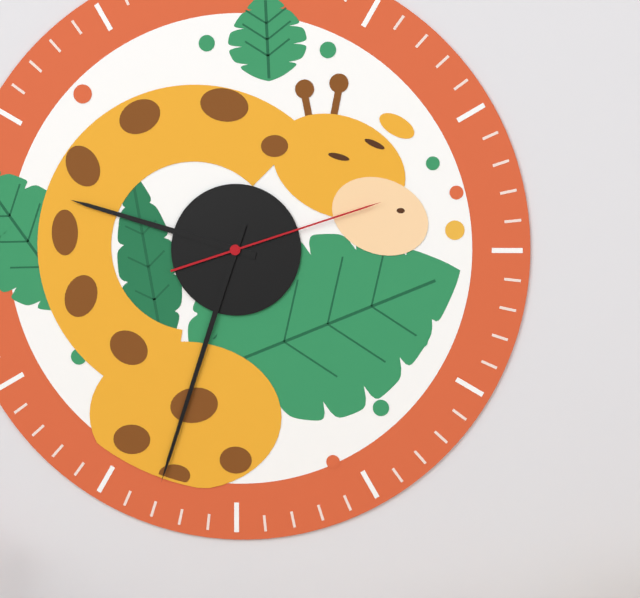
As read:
9,33,12
